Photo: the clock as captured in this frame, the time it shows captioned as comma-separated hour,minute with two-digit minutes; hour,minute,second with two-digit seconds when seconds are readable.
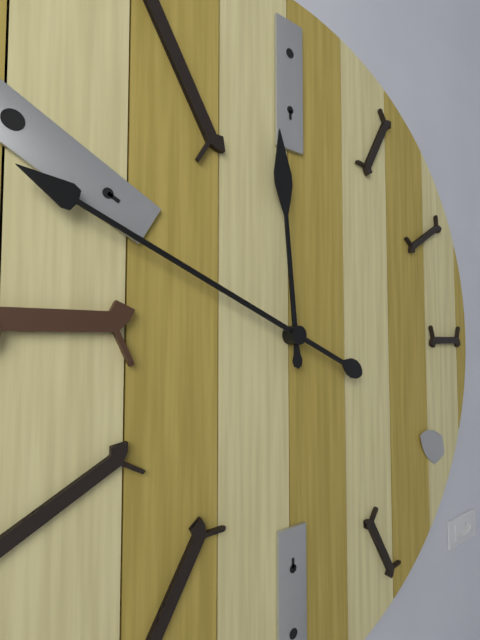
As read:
11,49
